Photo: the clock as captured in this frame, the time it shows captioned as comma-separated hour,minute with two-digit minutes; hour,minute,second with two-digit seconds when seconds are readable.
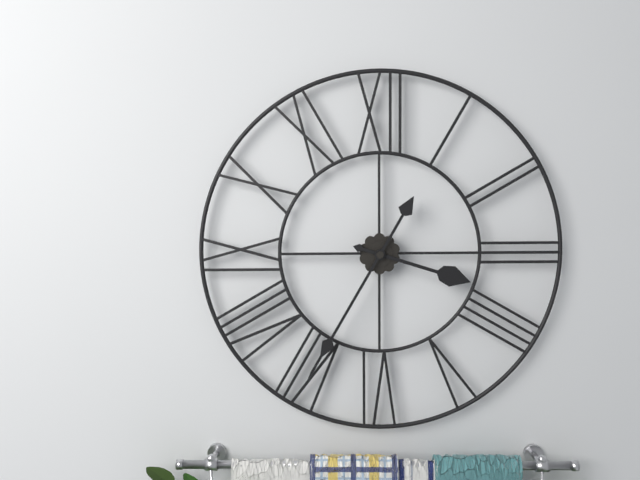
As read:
3,35
